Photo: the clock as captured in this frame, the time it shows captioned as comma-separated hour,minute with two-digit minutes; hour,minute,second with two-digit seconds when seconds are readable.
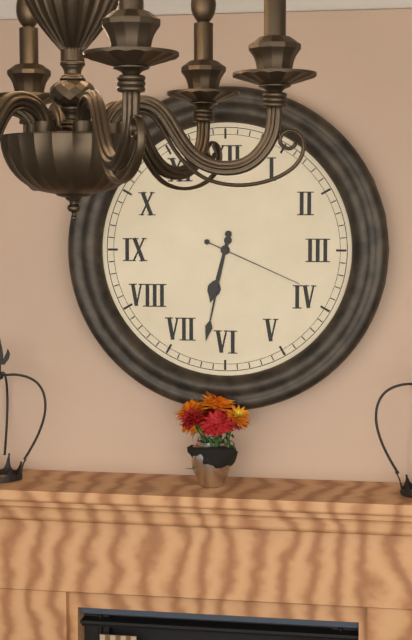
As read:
6,32,19
